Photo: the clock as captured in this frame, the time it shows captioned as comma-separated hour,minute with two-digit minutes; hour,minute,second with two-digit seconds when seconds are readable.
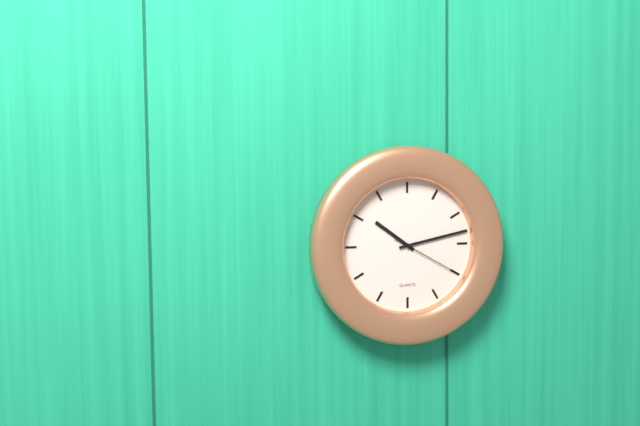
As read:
10,13,20
